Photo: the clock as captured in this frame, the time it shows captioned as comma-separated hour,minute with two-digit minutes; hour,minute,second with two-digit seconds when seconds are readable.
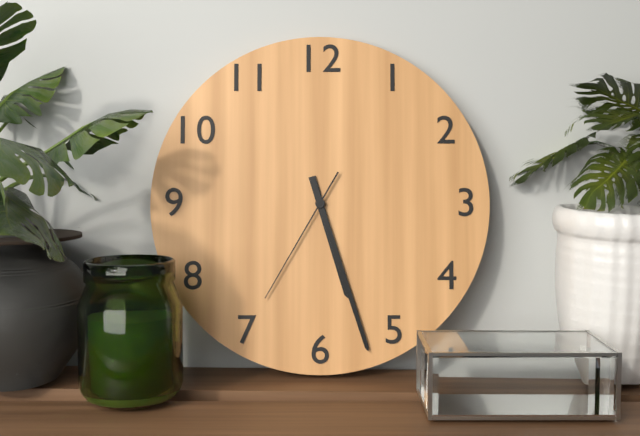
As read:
5,27,35
